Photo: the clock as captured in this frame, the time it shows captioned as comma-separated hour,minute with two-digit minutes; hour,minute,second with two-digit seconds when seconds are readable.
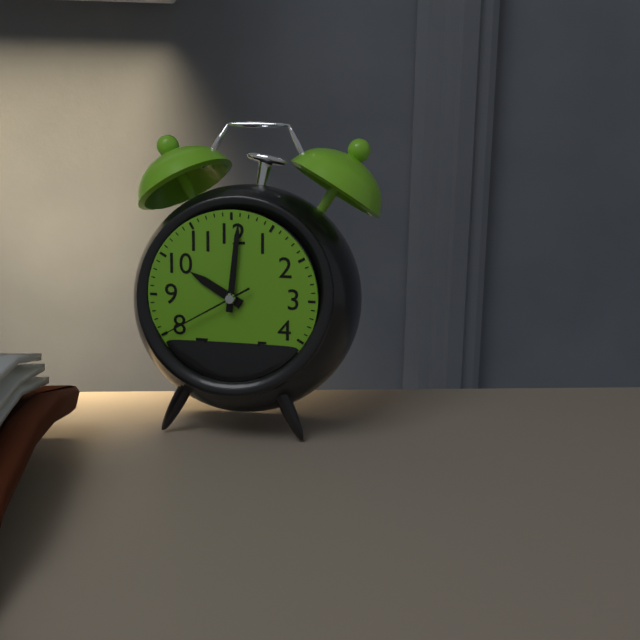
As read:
10,01,40
